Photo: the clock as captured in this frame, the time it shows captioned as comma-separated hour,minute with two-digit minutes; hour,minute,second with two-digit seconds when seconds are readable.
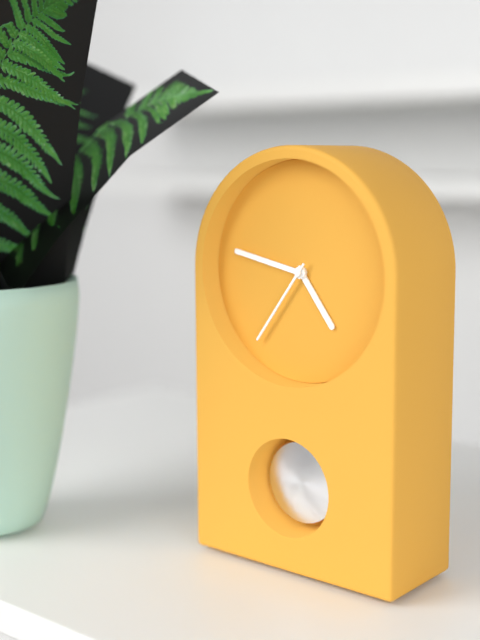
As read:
4,47,36
